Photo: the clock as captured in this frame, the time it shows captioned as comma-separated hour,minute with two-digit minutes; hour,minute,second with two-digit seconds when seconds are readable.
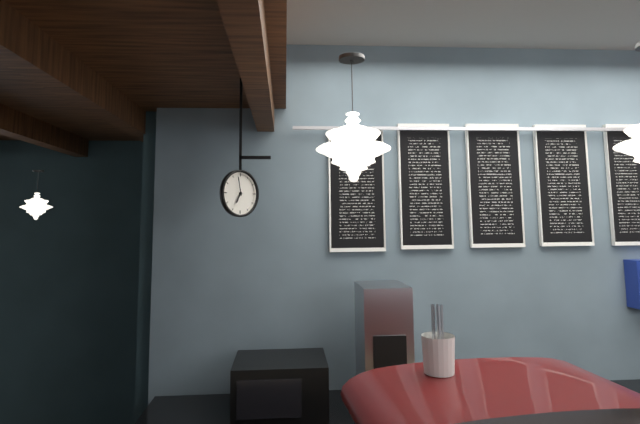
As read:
6,58
